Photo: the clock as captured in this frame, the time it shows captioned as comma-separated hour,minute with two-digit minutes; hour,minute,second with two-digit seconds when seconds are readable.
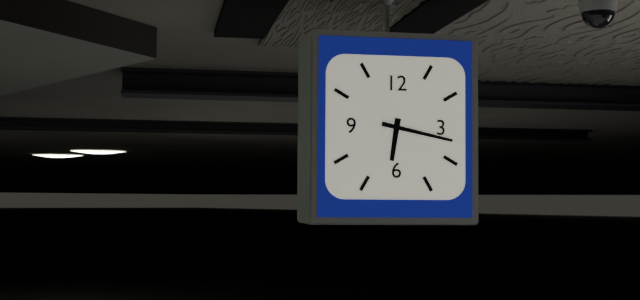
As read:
6,17
